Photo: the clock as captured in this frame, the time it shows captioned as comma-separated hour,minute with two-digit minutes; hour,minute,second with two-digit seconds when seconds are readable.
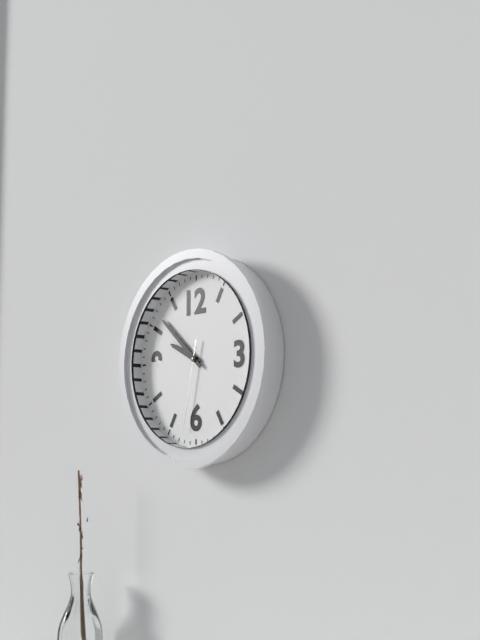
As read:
9,52,32
